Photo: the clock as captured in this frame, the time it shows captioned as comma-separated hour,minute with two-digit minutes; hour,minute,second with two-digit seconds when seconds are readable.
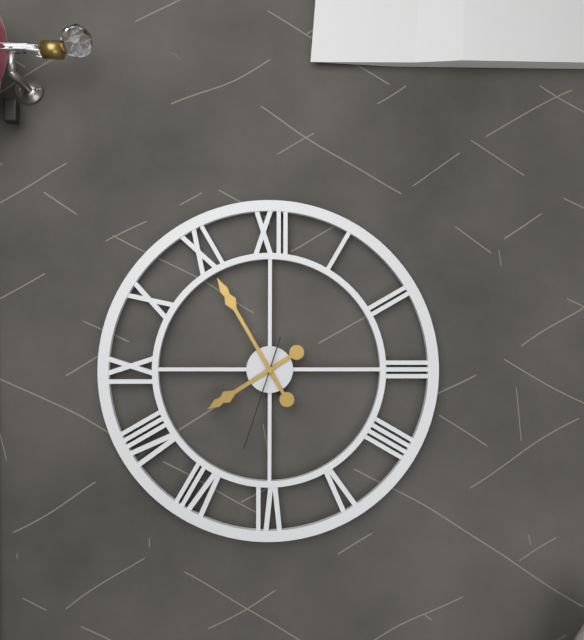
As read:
7,55,33
